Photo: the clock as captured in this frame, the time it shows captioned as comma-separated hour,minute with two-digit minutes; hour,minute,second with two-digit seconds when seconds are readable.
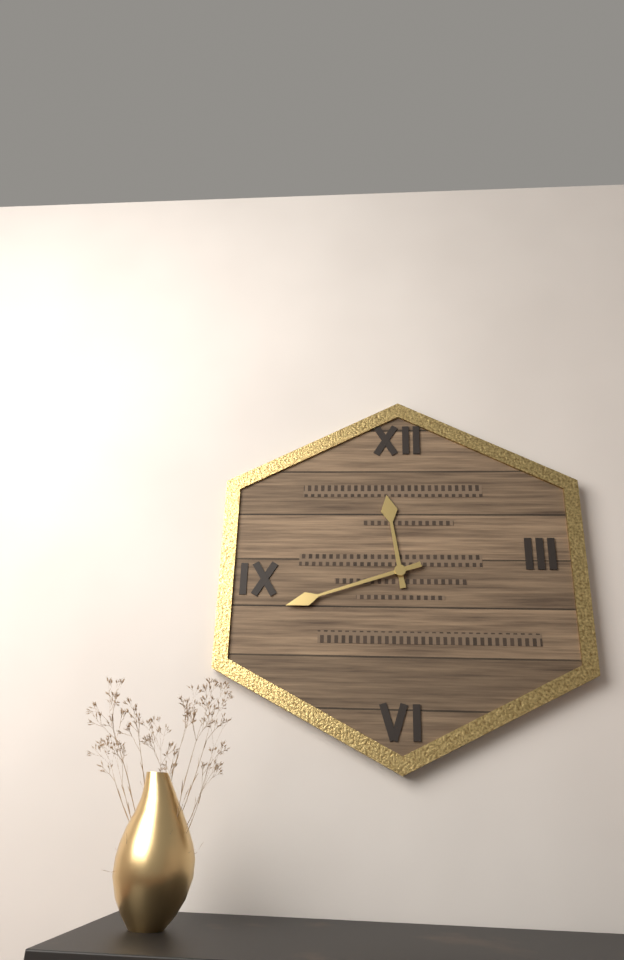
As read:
11,42
